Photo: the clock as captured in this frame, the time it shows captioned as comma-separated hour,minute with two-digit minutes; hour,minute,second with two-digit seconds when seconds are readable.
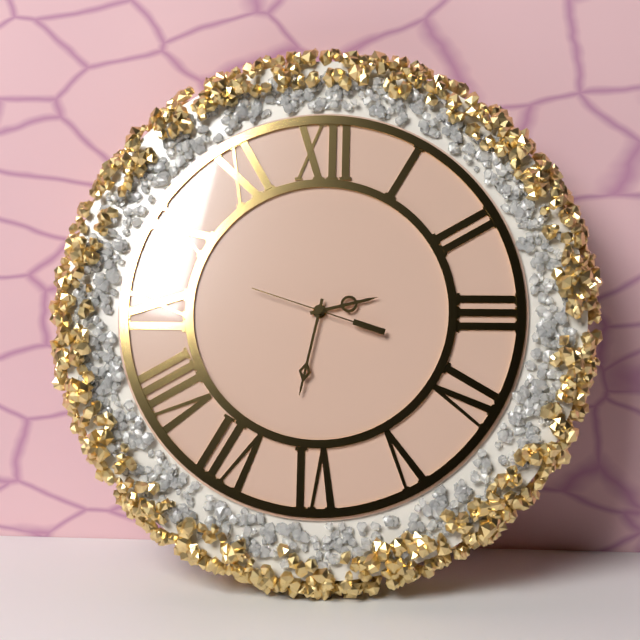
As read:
2,32,48
